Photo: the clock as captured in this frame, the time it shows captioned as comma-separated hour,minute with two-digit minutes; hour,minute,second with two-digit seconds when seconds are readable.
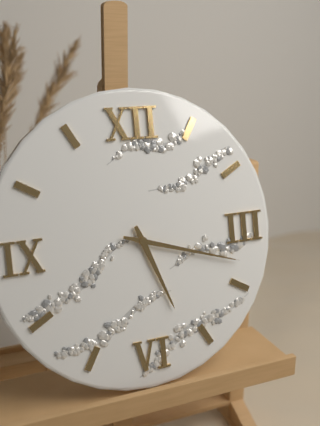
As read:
5,18
